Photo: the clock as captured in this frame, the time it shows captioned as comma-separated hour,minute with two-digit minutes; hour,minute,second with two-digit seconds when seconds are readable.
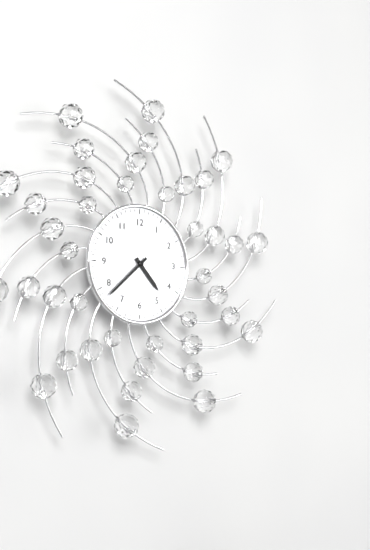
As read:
4,38
